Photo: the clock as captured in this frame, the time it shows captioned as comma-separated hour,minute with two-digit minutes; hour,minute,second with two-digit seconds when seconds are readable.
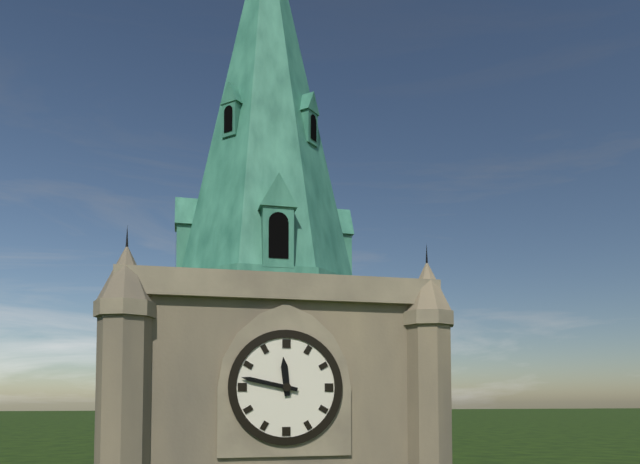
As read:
11,47
